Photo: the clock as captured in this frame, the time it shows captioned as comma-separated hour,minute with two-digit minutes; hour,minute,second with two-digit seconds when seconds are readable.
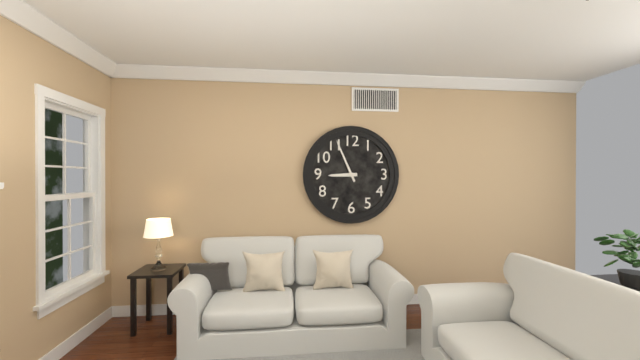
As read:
8,56
